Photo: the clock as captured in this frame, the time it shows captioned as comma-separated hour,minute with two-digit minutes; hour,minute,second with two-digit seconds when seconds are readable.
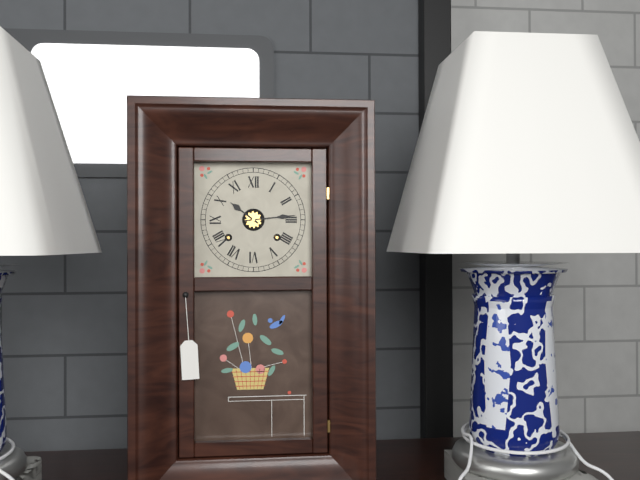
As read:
10,14
